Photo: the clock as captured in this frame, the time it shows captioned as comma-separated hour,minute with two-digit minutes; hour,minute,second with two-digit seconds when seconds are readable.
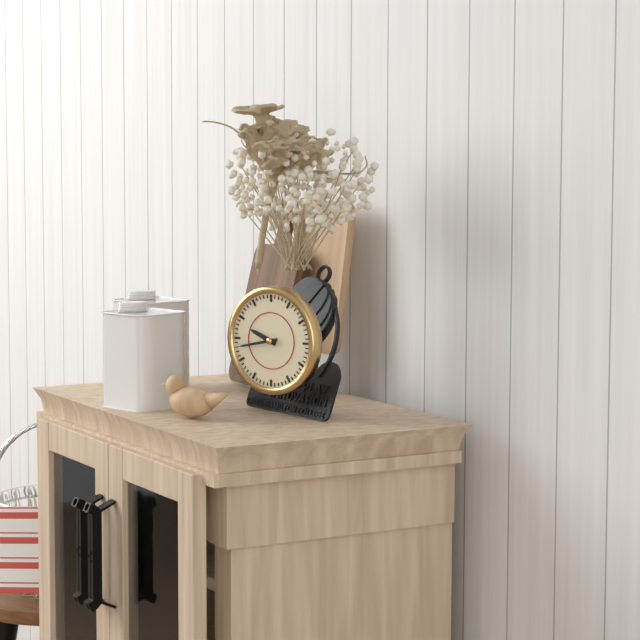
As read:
9,43
